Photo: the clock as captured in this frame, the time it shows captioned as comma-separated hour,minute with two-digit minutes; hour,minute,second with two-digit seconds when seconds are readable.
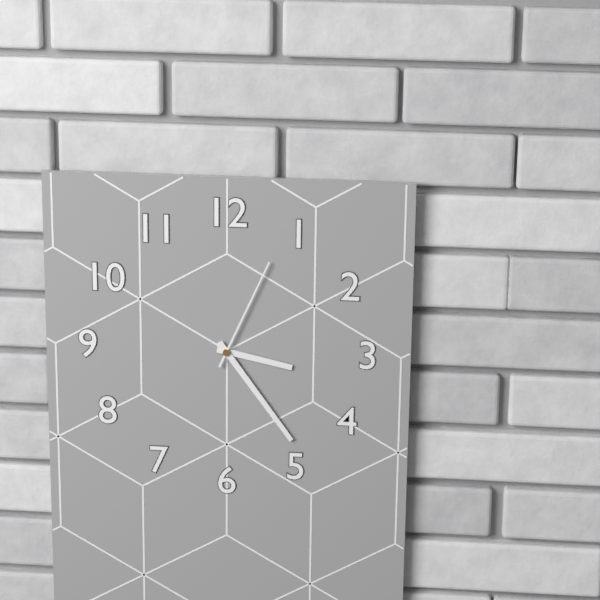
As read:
3,24,04
